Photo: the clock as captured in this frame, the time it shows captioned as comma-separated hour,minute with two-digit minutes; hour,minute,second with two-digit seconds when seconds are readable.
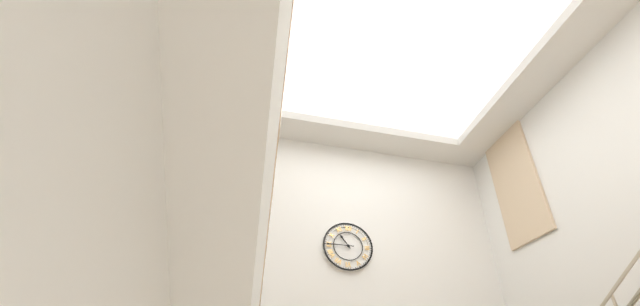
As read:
10,45
